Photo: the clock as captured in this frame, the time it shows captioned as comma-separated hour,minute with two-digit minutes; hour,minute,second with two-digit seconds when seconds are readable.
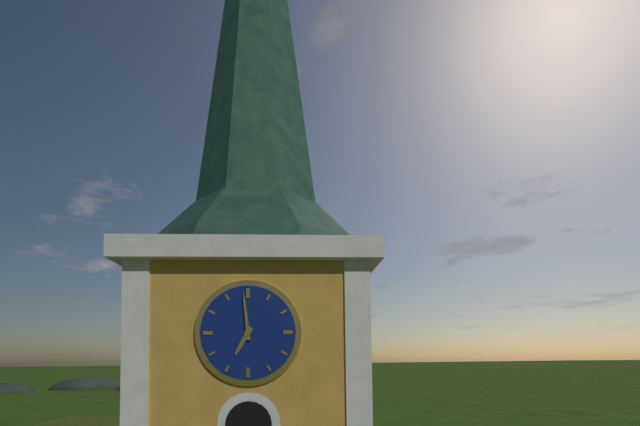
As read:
6,59
